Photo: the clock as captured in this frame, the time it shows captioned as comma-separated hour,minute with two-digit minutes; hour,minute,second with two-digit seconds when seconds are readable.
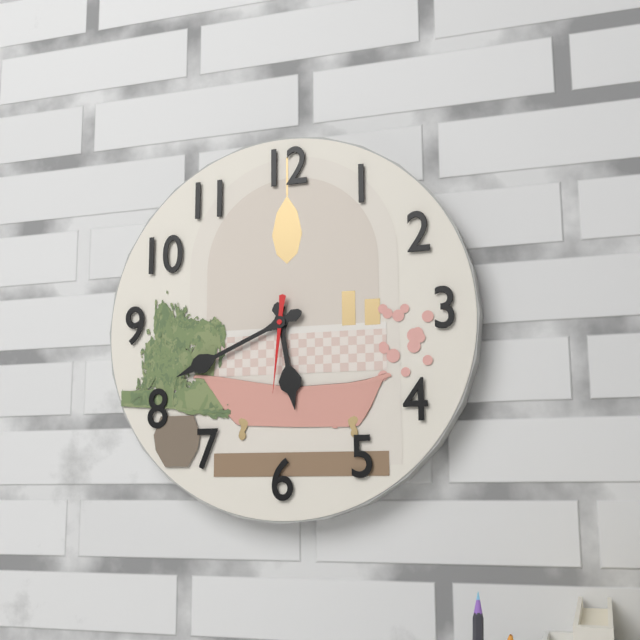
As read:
5,41,31
